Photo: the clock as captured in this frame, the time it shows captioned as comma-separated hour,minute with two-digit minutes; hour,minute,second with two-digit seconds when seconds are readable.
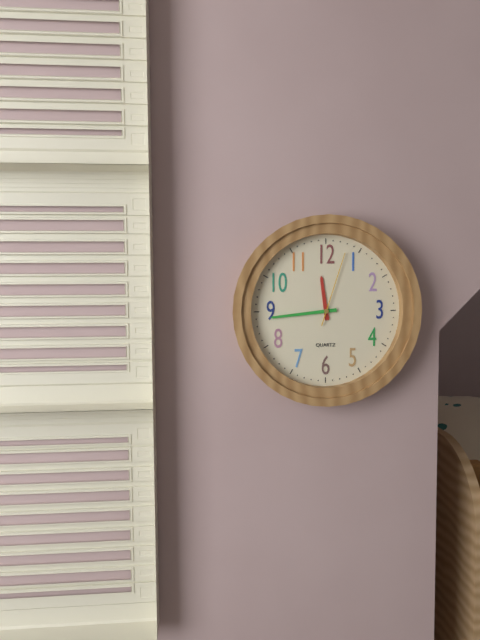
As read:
11,44,03
